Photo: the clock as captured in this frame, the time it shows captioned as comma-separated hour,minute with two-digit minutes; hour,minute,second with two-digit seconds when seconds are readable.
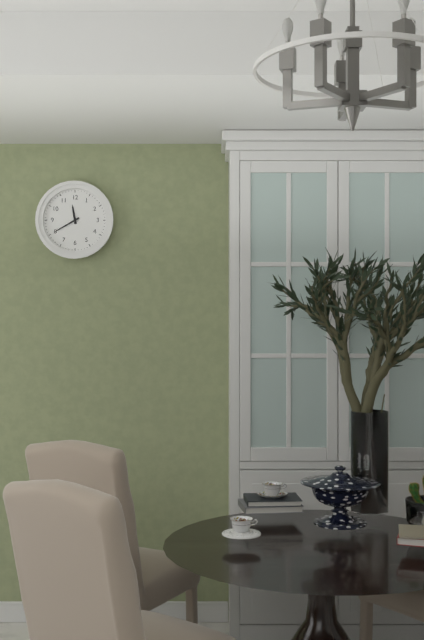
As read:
11,40
